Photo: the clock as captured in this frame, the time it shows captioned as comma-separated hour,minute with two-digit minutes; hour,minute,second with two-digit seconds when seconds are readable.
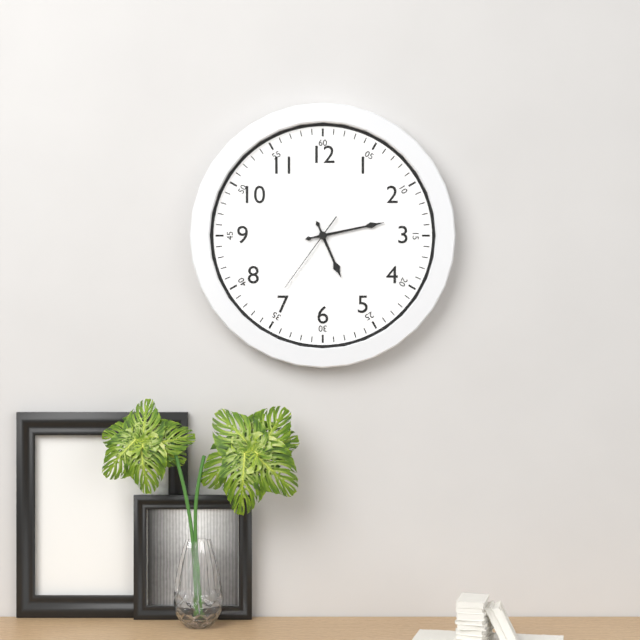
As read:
5,13,36
